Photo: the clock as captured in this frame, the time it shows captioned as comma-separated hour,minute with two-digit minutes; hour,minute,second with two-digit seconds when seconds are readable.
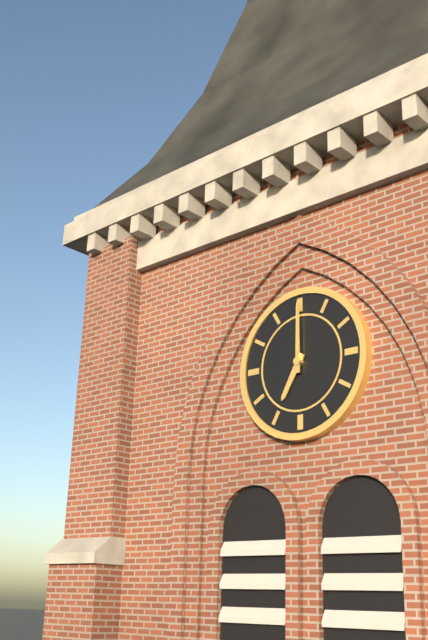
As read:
7,00
